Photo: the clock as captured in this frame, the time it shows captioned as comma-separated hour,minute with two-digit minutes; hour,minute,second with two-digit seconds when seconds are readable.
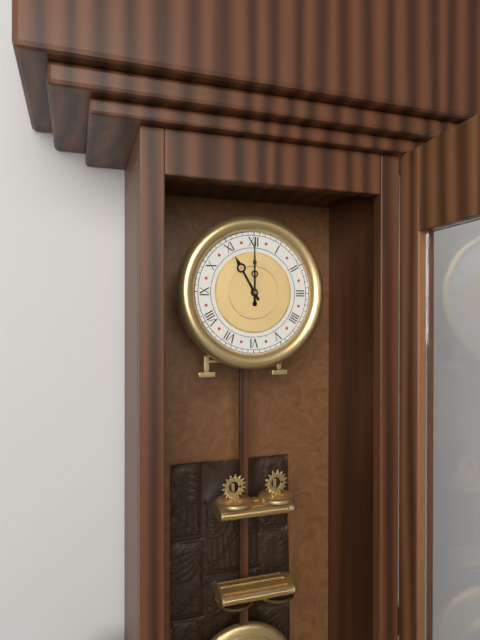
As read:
11,00
